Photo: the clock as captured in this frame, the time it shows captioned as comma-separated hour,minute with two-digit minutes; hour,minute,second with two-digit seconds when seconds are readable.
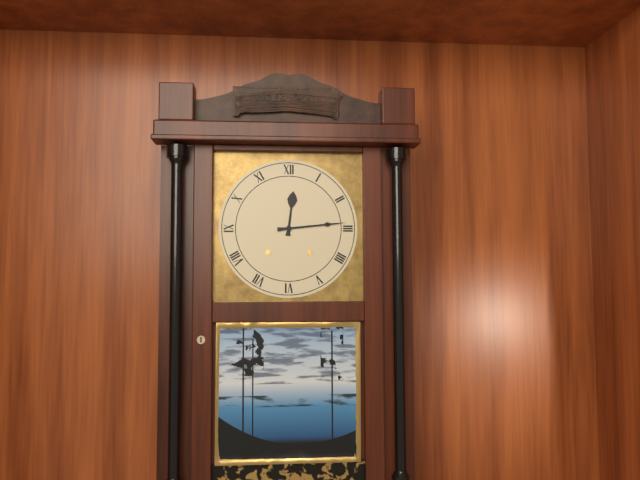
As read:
12,14
